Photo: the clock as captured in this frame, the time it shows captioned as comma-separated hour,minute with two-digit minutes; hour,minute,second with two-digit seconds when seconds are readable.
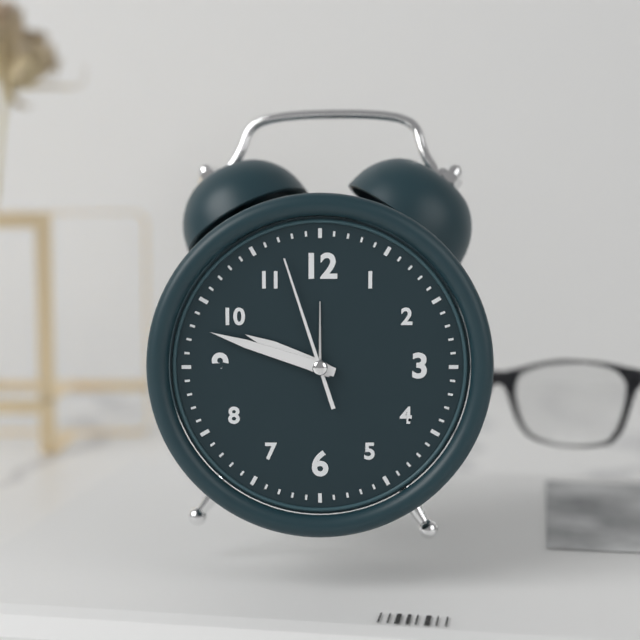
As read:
9,48,57
